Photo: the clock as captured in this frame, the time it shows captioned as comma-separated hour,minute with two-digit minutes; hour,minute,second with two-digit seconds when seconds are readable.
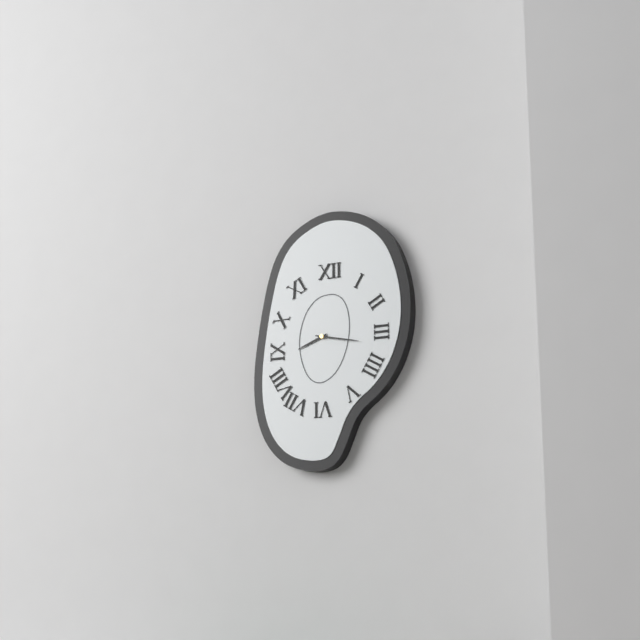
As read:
8,17
